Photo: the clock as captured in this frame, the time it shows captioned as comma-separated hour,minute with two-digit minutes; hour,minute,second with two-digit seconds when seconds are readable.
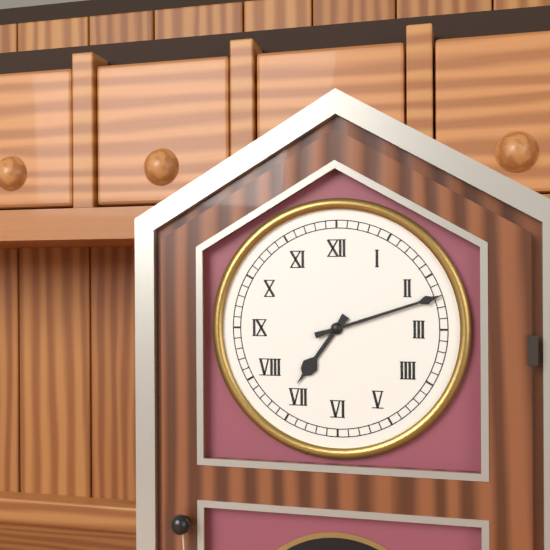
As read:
7,12
